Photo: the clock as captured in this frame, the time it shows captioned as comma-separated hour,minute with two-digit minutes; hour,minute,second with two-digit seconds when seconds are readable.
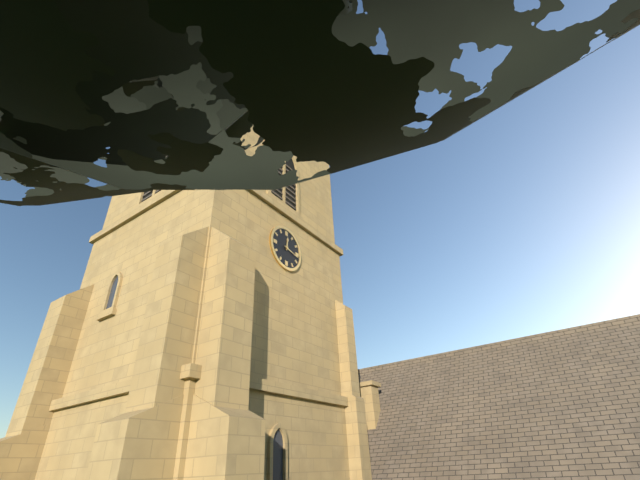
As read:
12,17
